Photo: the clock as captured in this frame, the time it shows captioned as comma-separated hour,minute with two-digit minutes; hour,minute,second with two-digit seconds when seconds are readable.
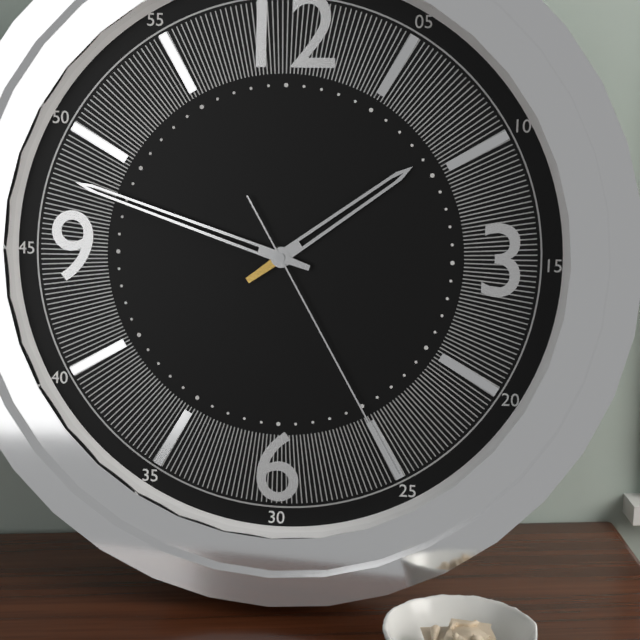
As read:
1,48,25
